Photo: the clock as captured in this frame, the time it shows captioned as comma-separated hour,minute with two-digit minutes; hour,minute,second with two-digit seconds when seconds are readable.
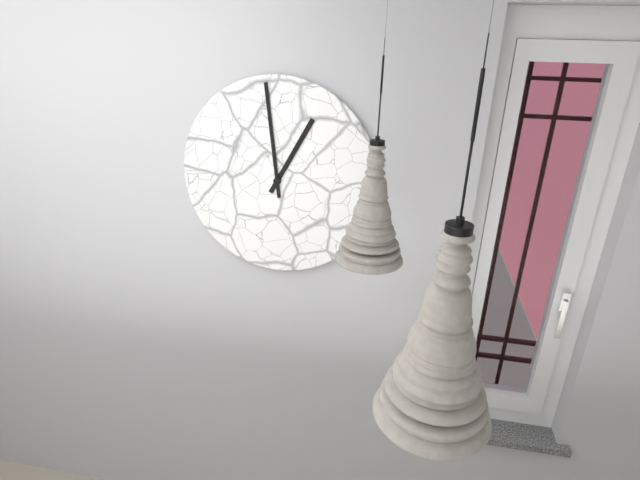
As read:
12,59
